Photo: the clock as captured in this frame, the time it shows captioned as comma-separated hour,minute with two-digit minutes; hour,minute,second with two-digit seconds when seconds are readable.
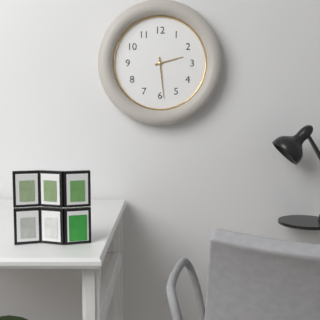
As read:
2,29
